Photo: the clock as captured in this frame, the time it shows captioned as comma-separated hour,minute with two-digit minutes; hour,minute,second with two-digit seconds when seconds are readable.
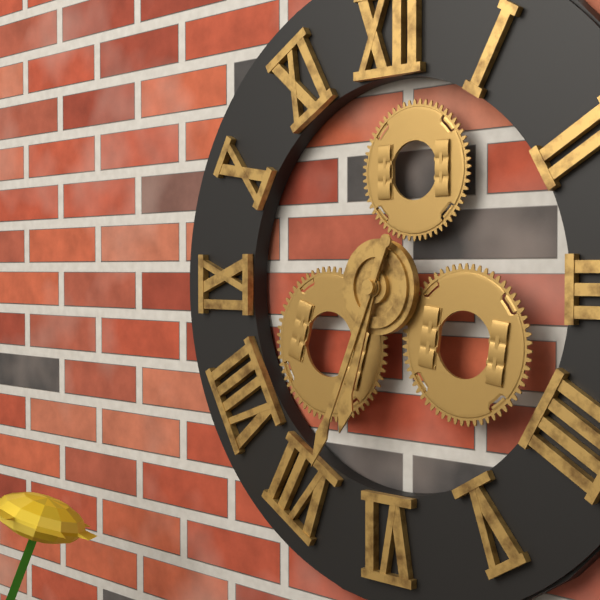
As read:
6,34
